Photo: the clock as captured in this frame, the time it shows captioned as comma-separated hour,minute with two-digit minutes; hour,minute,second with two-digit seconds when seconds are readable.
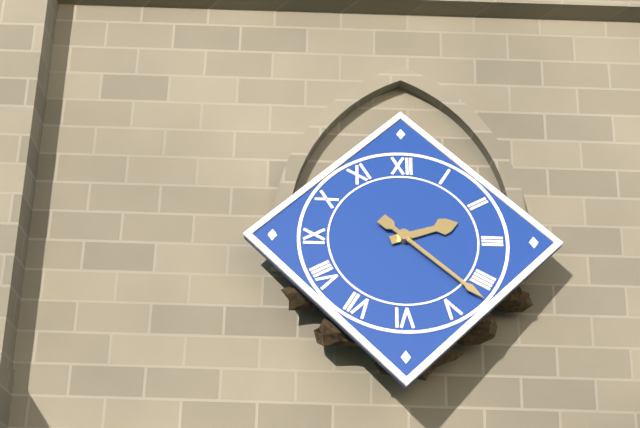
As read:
2,22
